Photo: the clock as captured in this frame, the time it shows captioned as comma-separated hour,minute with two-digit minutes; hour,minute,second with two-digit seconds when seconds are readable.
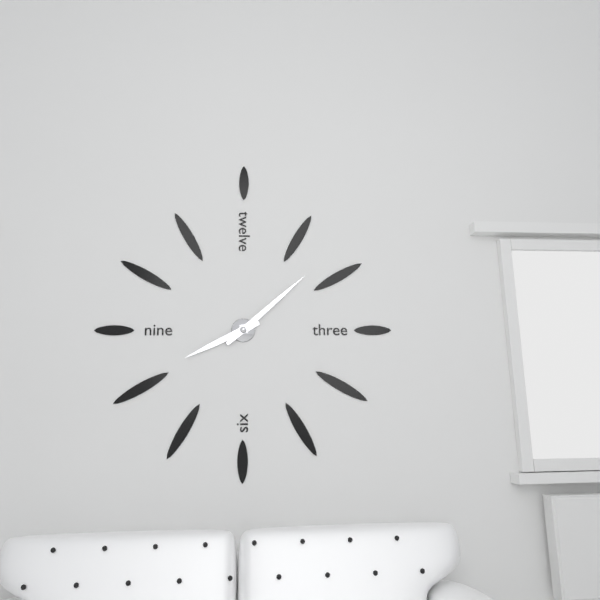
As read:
8,08
